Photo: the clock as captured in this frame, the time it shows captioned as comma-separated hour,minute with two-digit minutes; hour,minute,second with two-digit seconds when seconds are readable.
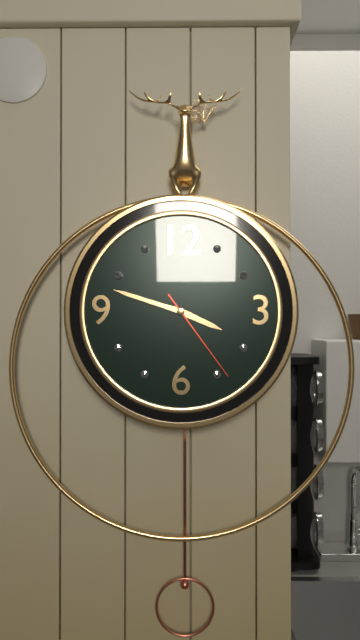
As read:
3,48,24
